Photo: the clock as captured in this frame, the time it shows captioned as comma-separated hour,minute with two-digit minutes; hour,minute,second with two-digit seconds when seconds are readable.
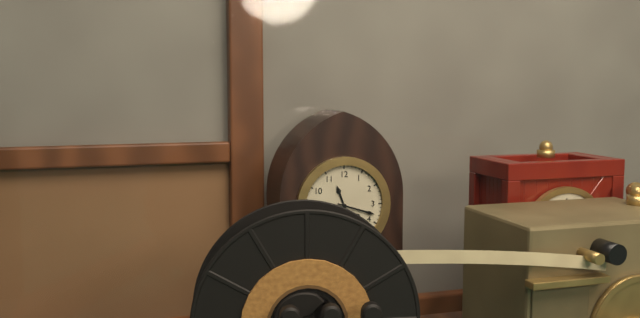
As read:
11,18
